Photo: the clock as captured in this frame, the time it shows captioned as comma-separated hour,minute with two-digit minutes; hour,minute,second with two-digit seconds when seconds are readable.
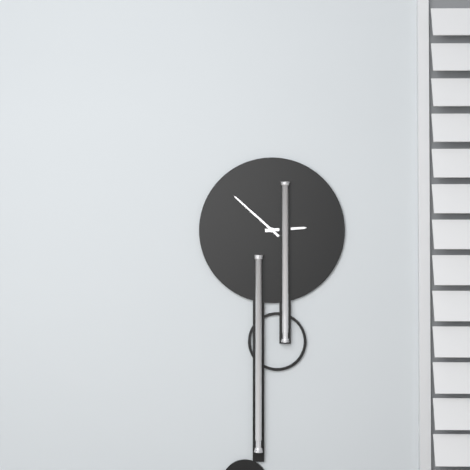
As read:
2,52
